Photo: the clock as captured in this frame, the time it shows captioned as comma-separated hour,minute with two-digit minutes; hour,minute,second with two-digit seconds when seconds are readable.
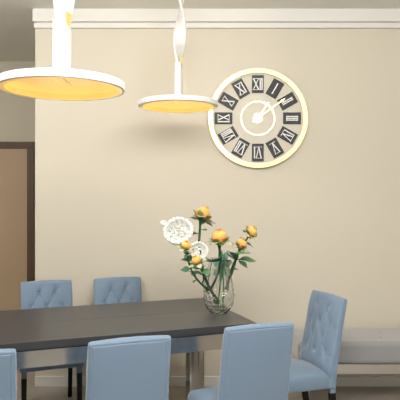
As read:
1,09
